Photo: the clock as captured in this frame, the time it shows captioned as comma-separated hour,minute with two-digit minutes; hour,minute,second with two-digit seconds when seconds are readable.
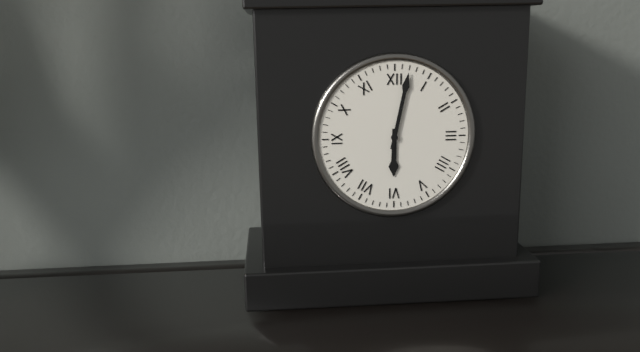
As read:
6,02
